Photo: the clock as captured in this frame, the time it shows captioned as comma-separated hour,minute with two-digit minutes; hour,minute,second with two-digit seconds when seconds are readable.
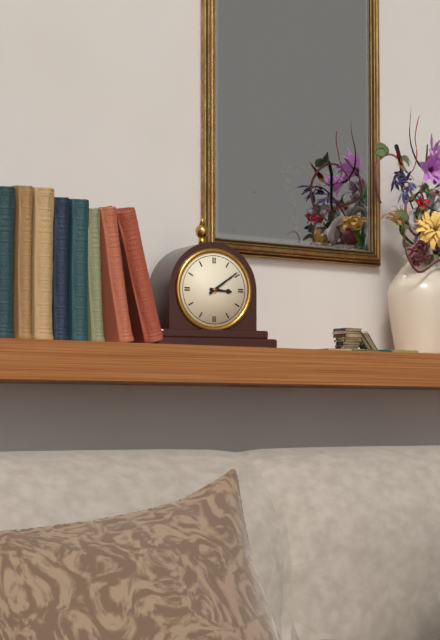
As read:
3,09
